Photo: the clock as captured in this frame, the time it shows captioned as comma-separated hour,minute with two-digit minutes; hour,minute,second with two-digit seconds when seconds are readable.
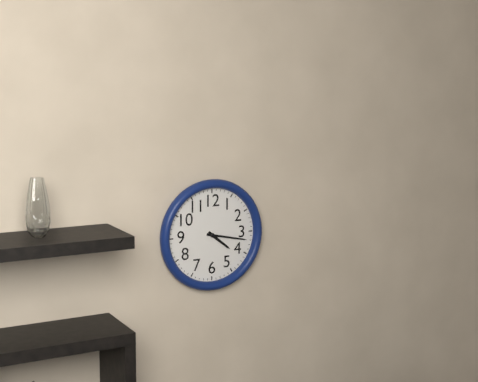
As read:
4,17
